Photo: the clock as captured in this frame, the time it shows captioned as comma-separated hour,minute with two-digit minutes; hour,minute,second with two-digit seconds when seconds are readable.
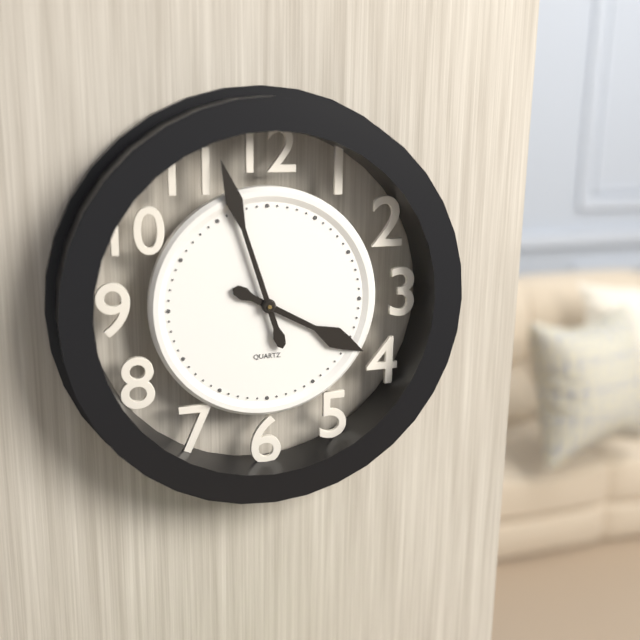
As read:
3,57
